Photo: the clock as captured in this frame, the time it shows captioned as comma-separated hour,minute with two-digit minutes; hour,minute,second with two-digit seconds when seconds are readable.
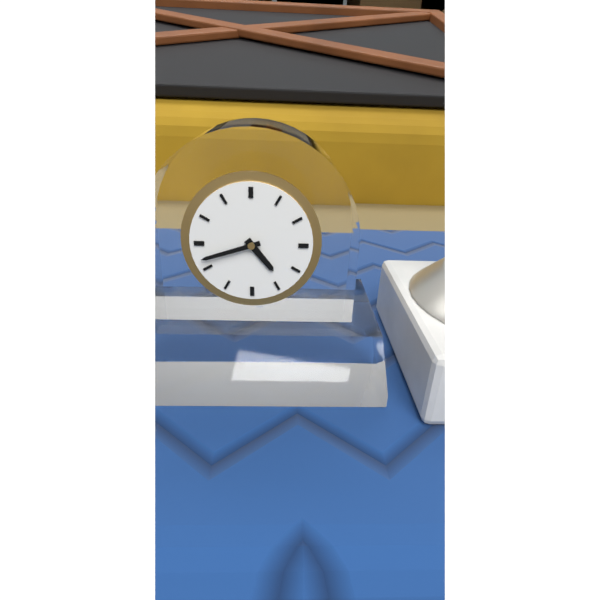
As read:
4,42
